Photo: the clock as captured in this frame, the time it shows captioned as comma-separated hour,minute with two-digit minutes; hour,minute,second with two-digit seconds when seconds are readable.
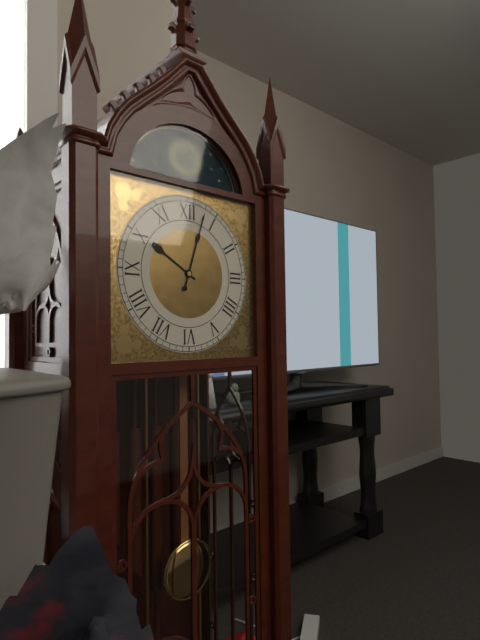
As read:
10,03
